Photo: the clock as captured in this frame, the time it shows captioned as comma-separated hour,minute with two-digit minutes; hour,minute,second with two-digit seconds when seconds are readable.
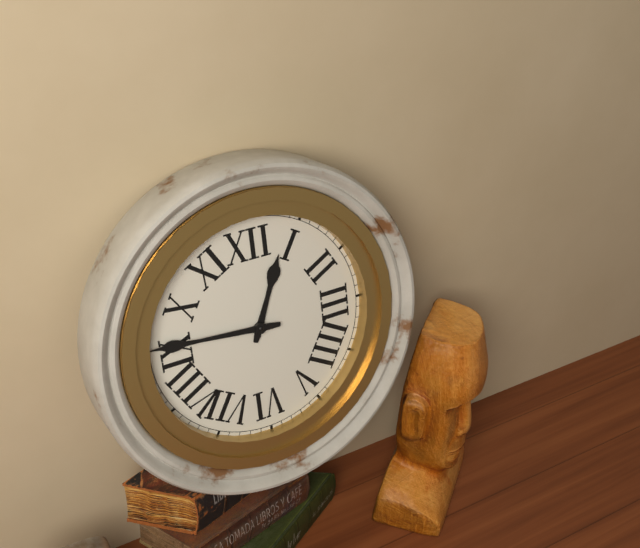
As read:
12,46
